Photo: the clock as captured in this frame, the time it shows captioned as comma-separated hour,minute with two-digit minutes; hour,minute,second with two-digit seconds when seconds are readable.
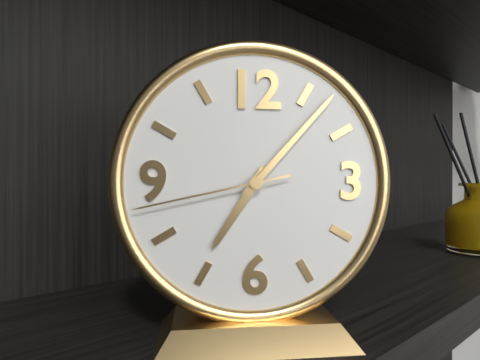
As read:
7,07,43
